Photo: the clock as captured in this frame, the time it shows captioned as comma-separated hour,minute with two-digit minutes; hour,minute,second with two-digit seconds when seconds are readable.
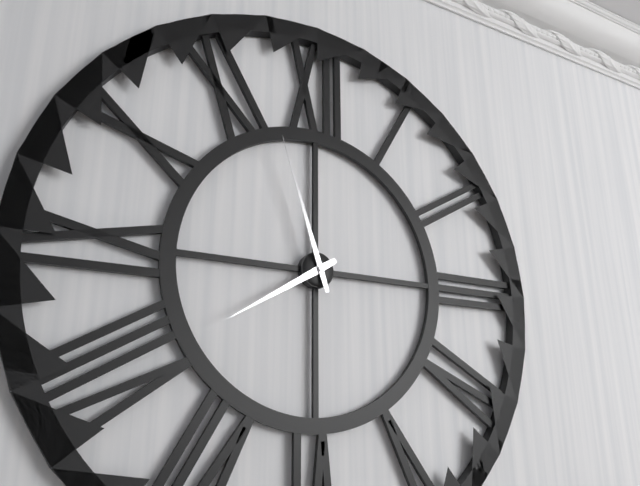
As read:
7,57
